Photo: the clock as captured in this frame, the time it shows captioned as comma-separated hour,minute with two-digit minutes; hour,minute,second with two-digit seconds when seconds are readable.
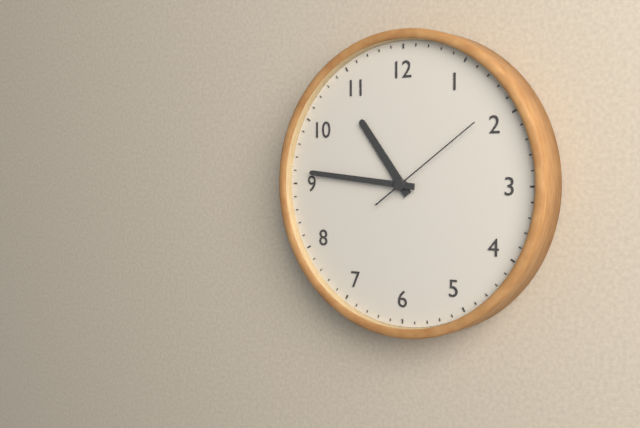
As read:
10,46,09
